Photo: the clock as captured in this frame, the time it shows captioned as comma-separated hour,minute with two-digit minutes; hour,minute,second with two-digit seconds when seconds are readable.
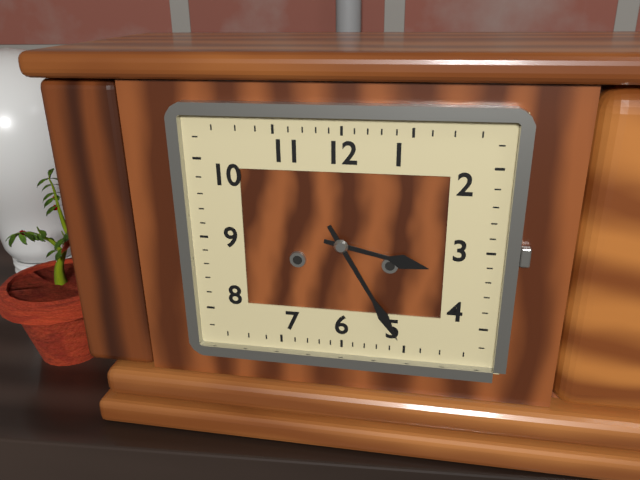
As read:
3,25
